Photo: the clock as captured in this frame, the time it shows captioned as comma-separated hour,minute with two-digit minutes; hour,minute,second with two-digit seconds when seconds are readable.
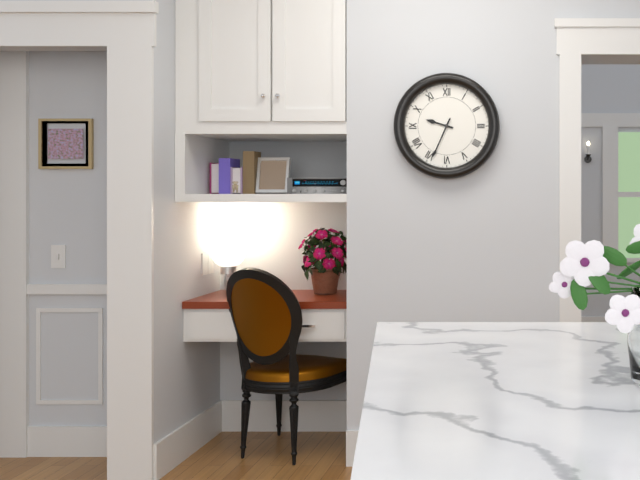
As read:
9,34
